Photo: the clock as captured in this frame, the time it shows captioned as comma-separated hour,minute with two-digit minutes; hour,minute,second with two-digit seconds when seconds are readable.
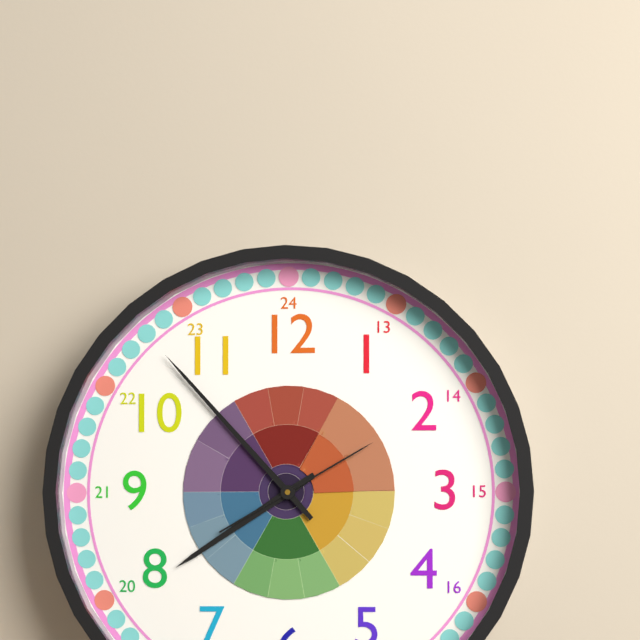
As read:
7,53,10
